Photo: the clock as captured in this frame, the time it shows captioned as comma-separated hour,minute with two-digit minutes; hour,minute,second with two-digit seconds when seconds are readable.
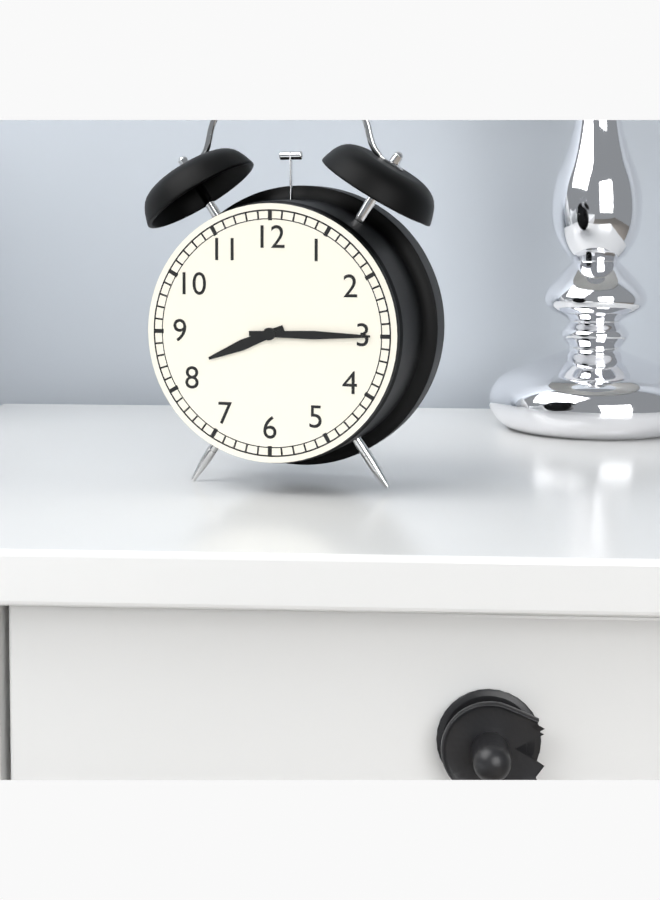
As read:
8,15
